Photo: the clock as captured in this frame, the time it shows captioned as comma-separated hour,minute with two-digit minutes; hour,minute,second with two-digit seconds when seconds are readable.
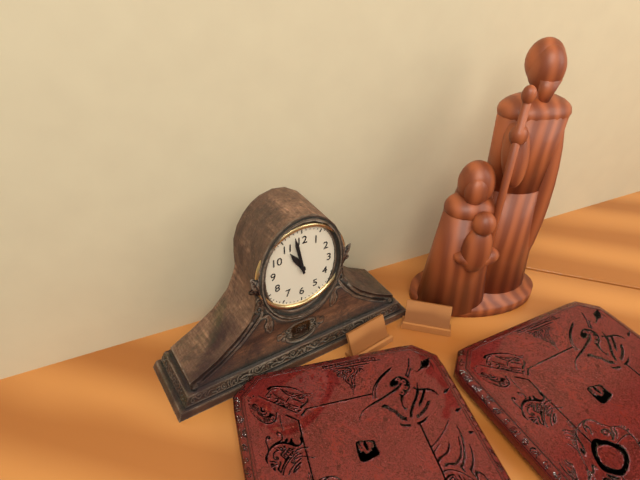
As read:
10,58
